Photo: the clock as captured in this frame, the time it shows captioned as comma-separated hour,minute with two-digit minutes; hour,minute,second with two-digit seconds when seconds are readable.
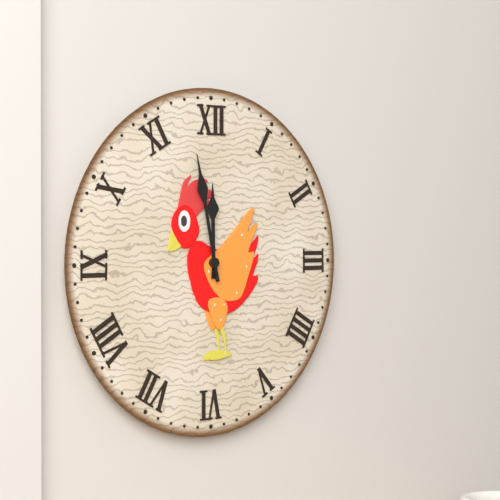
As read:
11,58
